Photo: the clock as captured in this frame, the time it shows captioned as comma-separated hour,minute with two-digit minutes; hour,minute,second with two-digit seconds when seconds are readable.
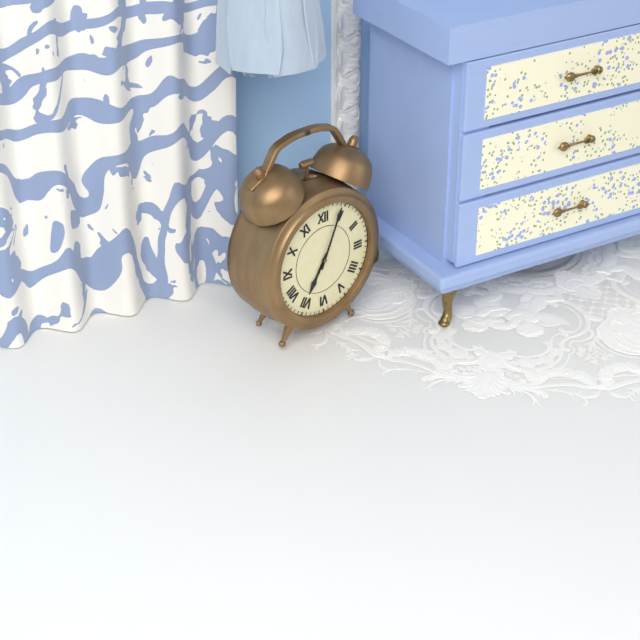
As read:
7,04
